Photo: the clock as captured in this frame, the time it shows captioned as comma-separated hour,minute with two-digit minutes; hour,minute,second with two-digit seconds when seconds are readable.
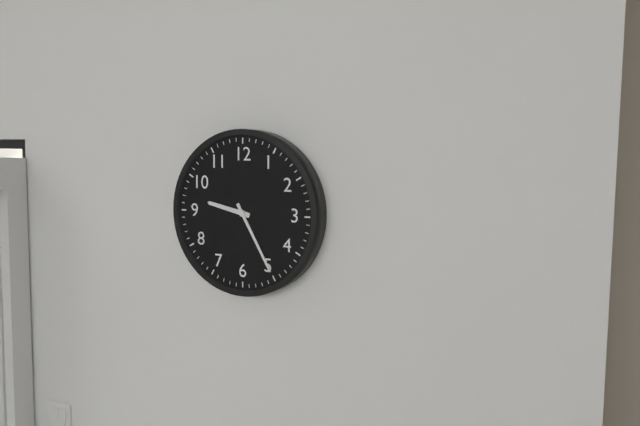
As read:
9,25
